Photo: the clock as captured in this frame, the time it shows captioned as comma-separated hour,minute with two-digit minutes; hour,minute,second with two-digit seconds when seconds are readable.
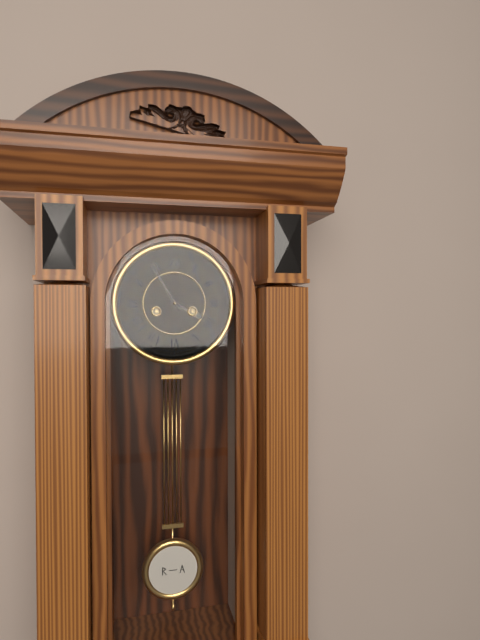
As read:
3,55
